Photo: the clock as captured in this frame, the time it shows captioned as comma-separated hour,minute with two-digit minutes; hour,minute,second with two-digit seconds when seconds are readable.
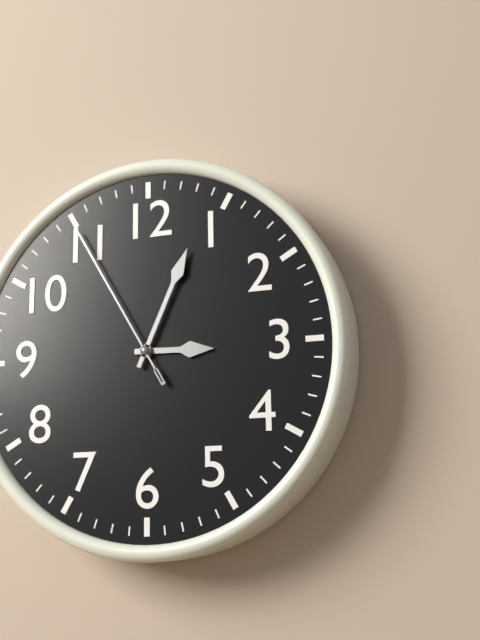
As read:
3,04,55
